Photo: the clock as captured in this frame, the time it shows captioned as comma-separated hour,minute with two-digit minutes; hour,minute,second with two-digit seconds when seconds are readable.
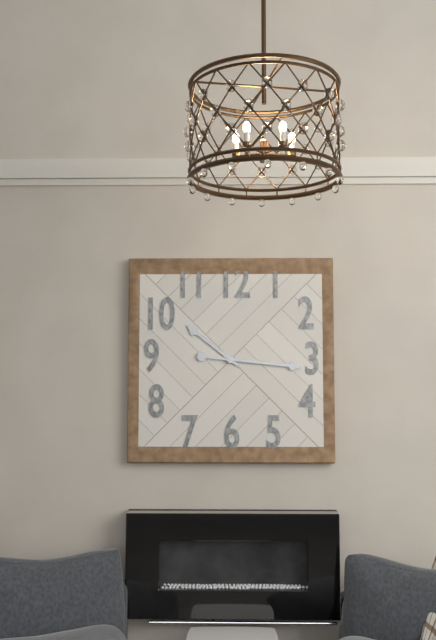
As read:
10,16
